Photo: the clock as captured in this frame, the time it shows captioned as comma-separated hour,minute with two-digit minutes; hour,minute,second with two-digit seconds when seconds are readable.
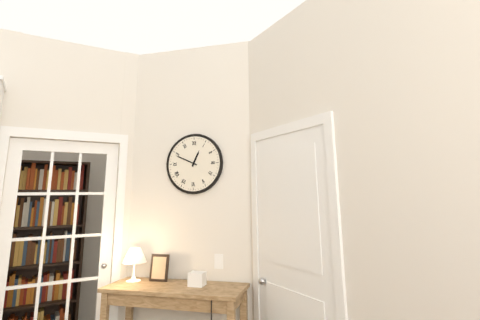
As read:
12,49
